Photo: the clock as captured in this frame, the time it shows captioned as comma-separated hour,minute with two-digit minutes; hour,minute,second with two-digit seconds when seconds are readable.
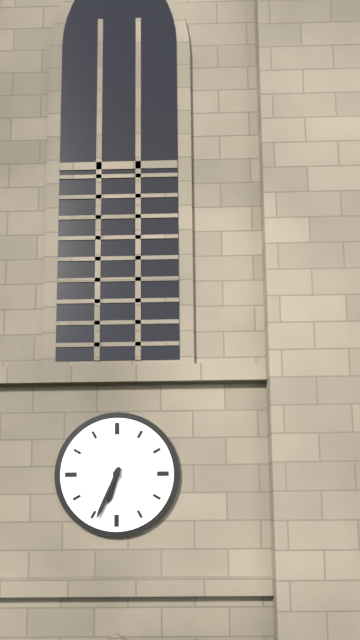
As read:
6,34
